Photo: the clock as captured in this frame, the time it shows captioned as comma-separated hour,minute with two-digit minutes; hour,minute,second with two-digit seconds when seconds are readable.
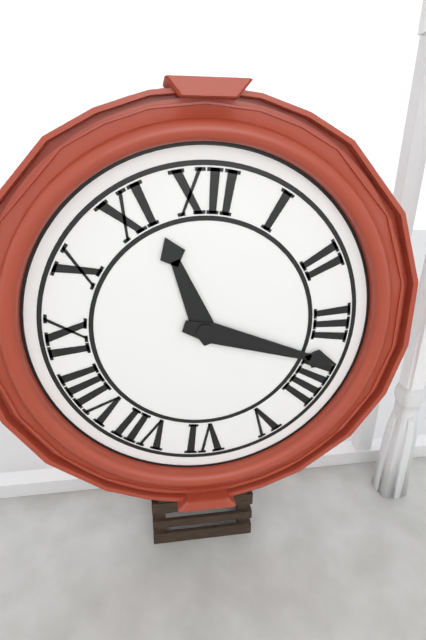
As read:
11,18
